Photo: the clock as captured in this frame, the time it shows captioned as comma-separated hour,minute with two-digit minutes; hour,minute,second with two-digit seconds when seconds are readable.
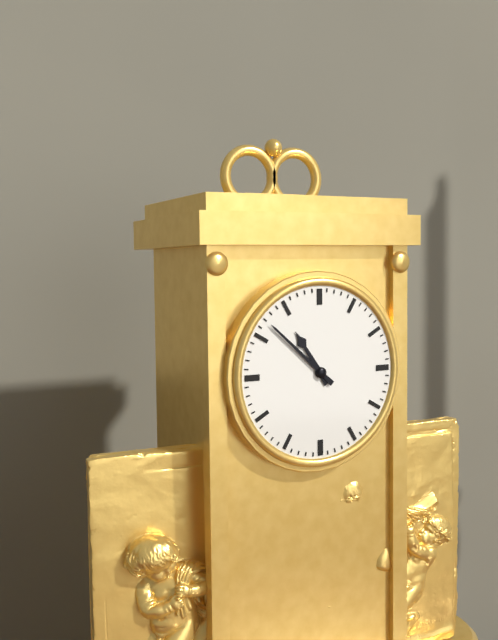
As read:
10,52
